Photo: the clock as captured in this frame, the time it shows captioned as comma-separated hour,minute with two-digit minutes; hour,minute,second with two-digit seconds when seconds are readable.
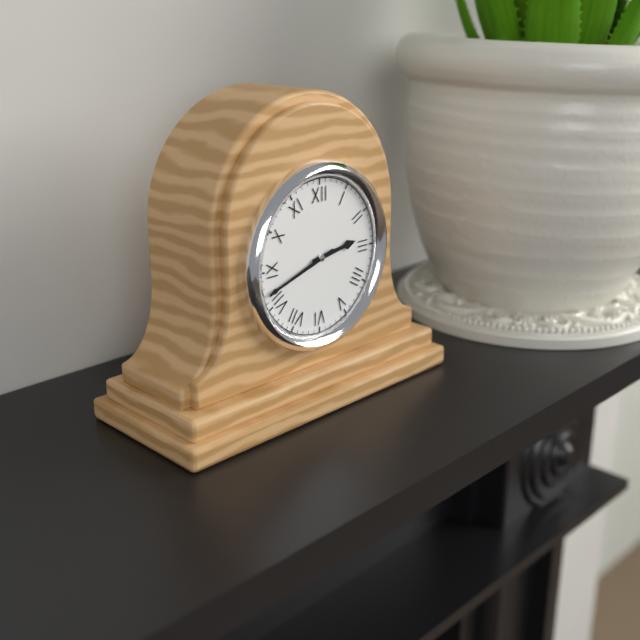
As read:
2,42
